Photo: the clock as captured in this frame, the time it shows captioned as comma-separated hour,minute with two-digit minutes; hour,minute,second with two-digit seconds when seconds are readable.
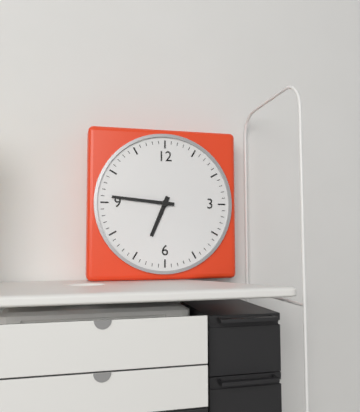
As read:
6,46
